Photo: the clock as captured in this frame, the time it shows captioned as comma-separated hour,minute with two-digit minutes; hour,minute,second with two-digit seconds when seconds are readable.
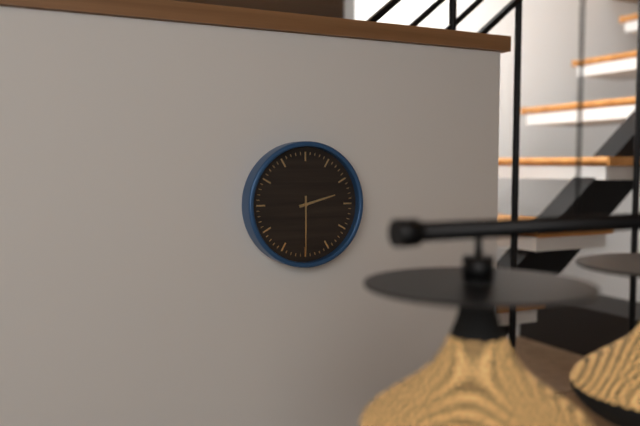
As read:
2,30
